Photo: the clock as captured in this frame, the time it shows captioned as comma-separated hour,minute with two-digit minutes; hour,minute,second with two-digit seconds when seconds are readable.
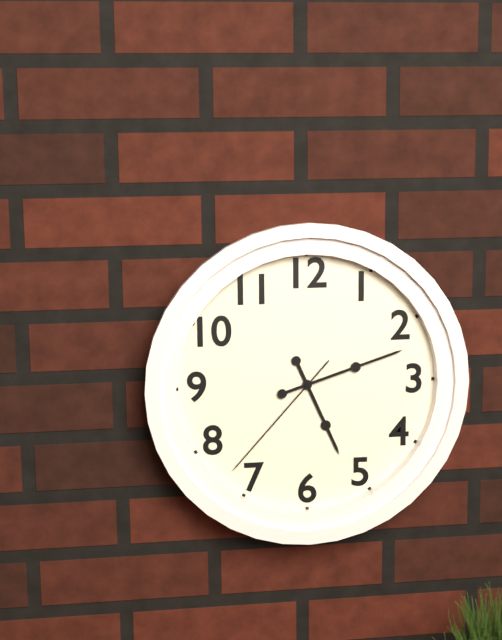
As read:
5,12,37
